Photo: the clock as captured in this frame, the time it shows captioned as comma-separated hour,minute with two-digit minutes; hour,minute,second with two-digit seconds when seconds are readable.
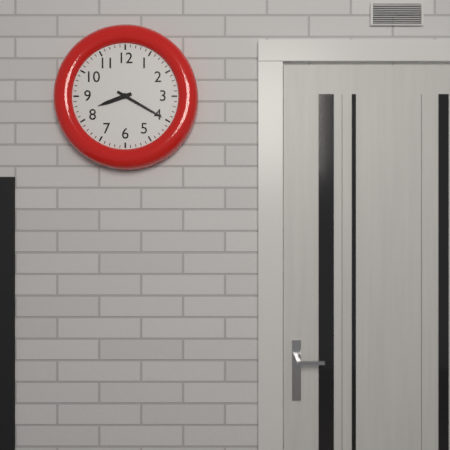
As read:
8,20
